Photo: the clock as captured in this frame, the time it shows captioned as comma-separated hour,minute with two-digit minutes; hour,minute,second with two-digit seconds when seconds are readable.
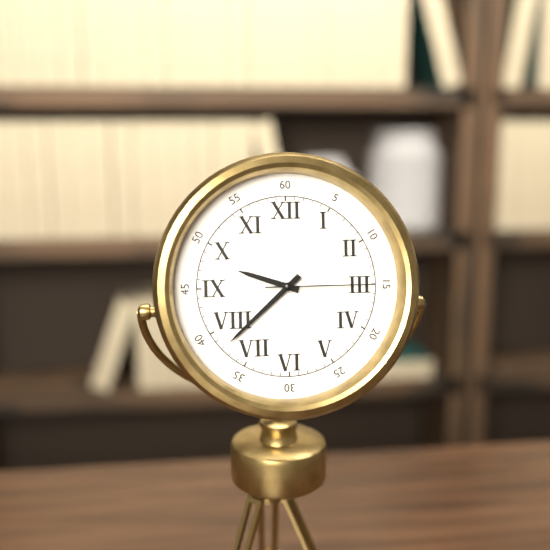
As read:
9,38,15
